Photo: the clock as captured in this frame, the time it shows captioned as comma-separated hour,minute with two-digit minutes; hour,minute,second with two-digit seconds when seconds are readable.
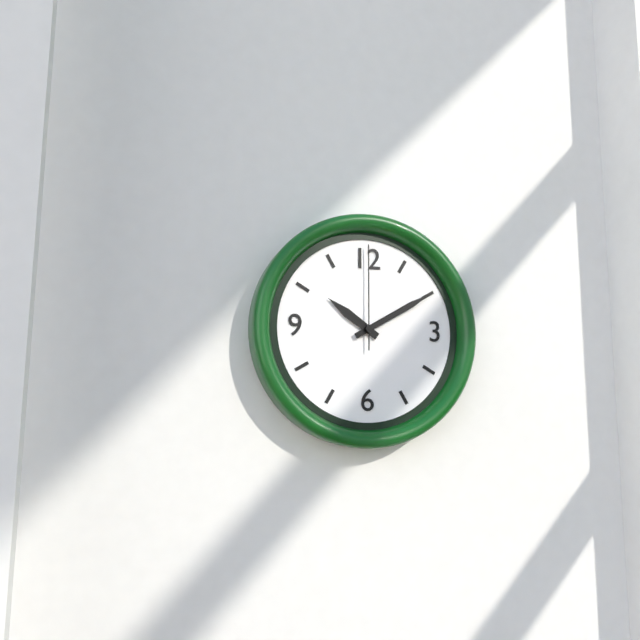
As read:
10,10,00
